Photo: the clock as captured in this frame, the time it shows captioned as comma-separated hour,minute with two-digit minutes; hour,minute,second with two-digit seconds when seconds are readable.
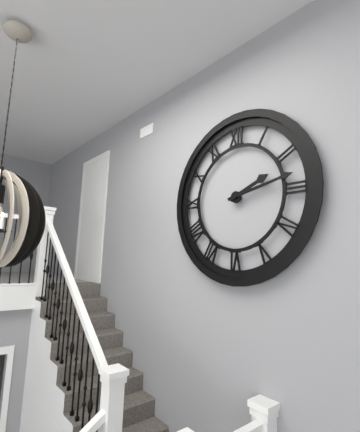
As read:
2,13
